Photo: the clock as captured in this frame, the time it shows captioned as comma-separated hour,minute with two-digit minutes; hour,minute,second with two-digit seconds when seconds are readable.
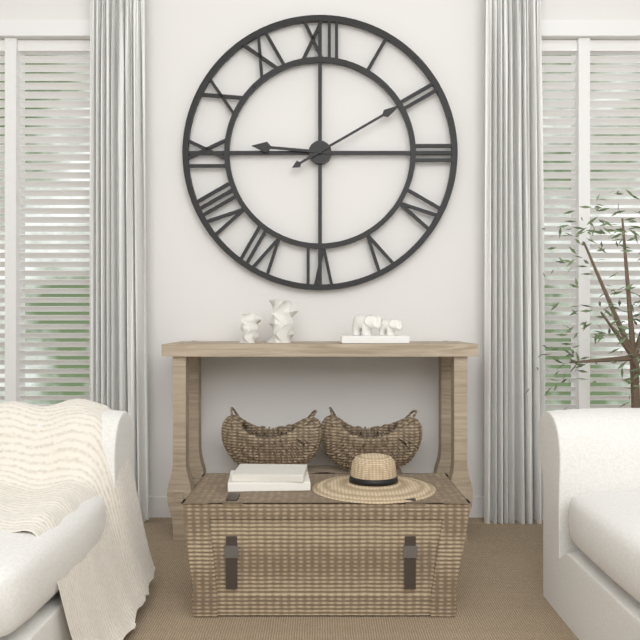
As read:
9,10
